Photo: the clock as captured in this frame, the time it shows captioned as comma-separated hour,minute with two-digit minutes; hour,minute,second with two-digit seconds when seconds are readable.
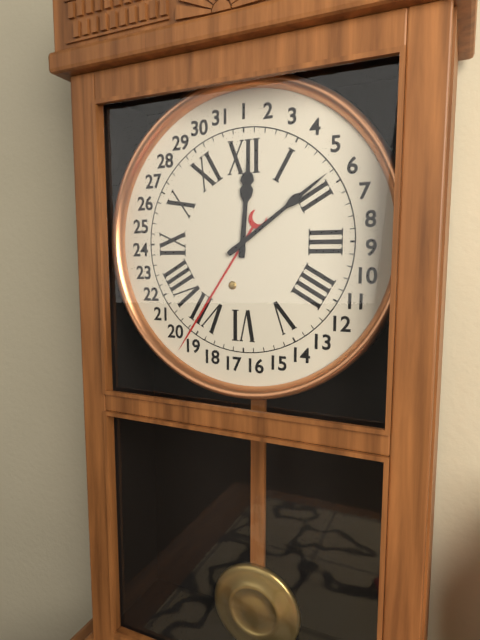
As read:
12,09
